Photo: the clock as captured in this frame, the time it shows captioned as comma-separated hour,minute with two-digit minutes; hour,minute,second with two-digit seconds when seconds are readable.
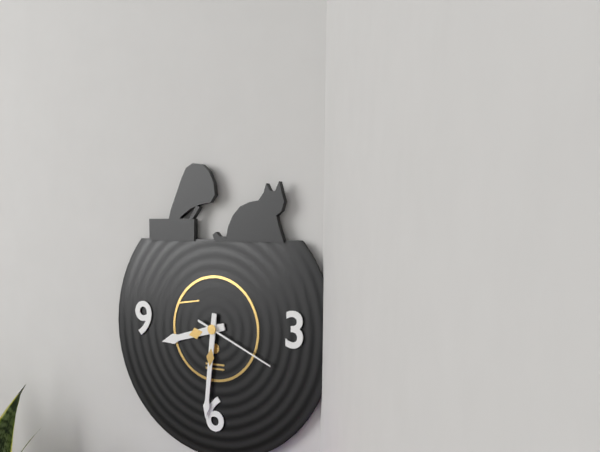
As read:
8,31,19
